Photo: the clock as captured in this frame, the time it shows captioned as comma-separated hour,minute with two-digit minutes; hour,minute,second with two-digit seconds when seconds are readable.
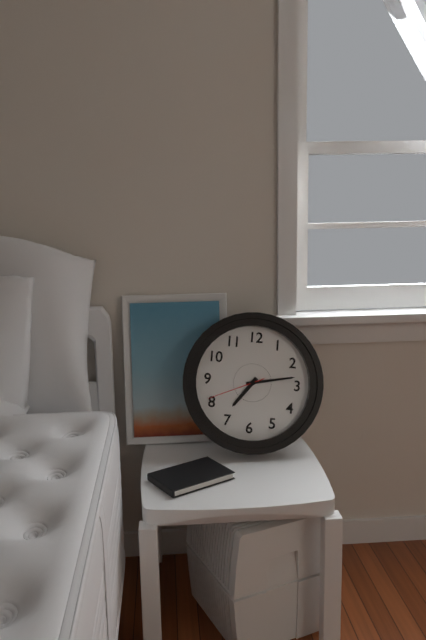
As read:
7,13,41
